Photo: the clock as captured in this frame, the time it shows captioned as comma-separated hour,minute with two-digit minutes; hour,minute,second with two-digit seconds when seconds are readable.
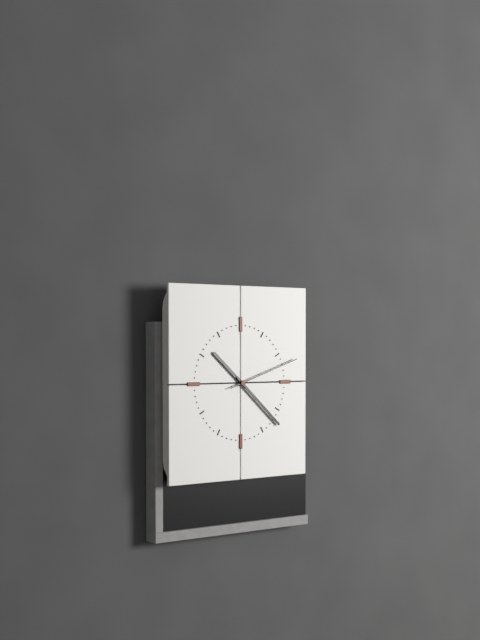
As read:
10,22,12
